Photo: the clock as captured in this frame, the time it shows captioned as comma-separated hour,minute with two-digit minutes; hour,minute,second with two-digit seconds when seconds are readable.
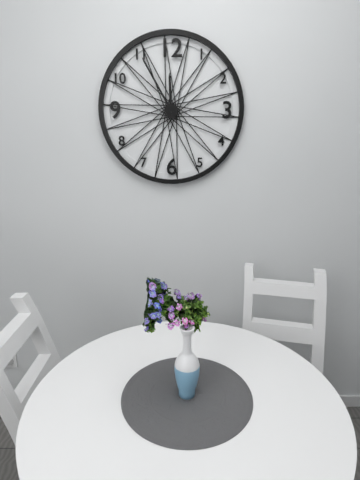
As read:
11,55
